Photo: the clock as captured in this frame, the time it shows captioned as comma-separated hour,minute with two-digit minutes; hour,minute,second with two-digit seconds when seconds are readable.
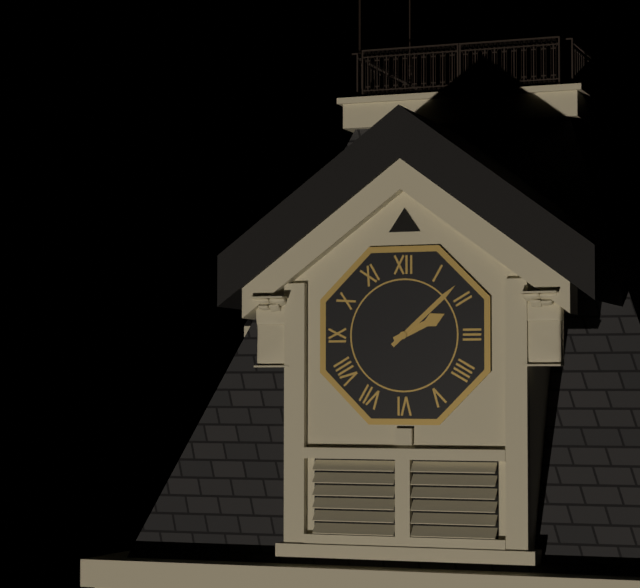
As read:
2,08
